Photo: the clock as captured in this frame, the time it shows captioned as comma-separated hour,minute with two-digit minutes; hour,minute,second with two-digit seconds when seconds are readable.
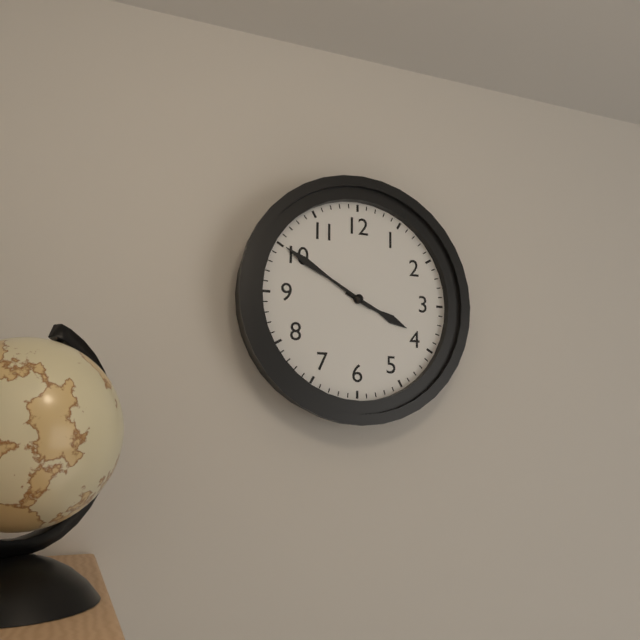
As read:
3,50
